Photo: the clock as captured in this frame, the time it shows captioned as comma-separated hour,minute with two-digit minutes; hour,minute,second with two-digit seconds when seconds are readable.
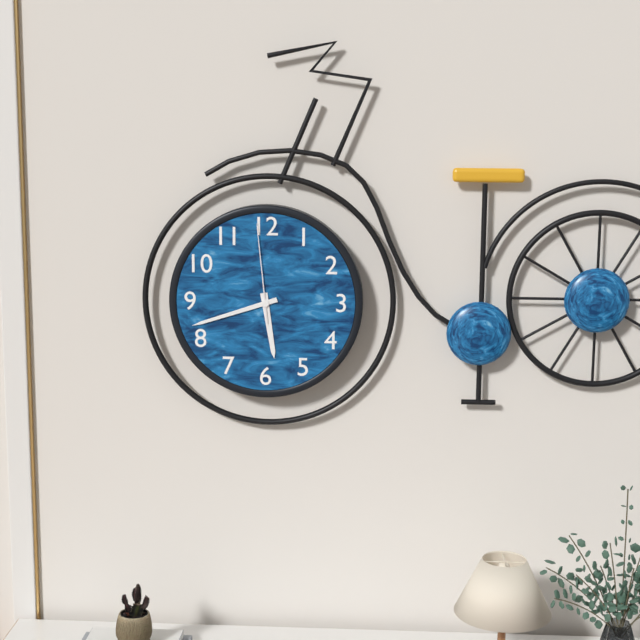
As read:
5,42,59
